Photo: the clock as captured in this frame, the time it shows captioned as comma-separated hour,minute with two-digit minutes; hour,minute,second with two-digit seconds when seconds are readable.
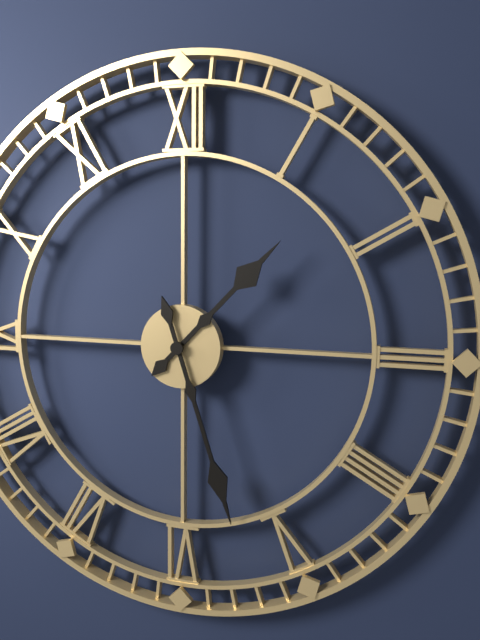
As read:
1,27
